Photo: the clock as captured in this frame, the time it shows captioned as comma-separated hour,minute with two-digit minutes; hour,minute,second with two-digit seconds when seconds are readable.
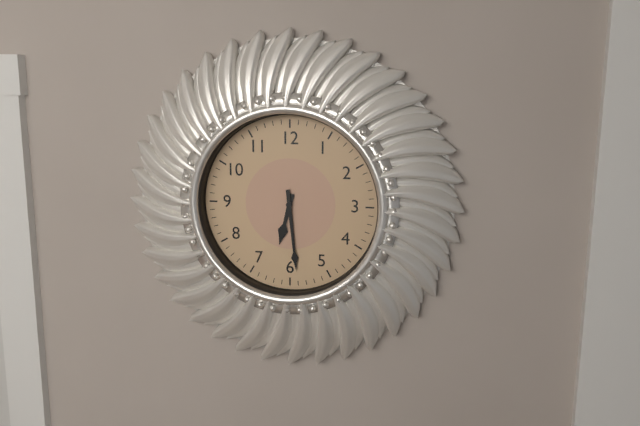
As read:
6,29
